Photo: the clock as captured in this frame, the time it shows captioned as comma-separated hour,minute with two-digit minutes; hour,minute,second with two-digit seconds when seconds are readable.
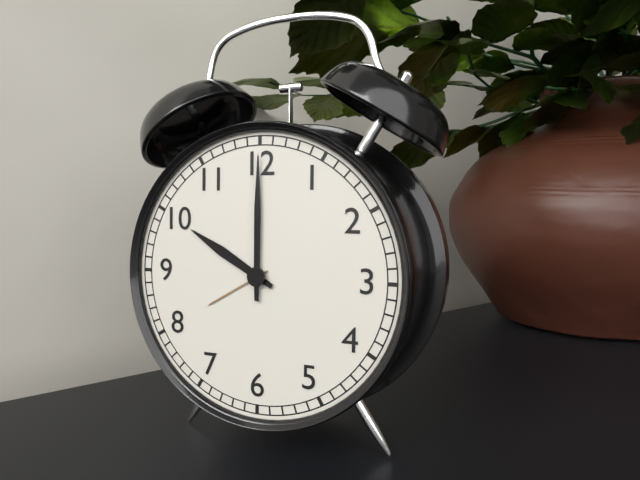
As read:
10,00
